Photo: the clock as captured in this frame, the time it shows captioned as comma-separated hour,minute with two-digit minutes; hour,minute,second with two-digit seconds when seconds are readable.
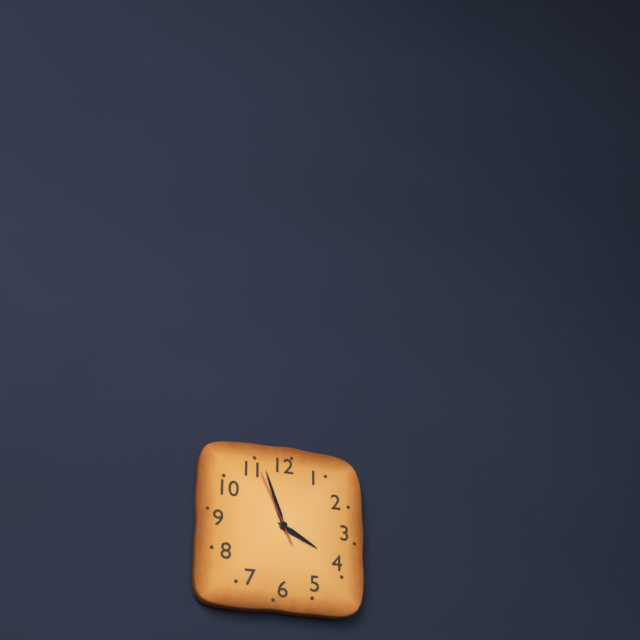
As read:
3,57,56
